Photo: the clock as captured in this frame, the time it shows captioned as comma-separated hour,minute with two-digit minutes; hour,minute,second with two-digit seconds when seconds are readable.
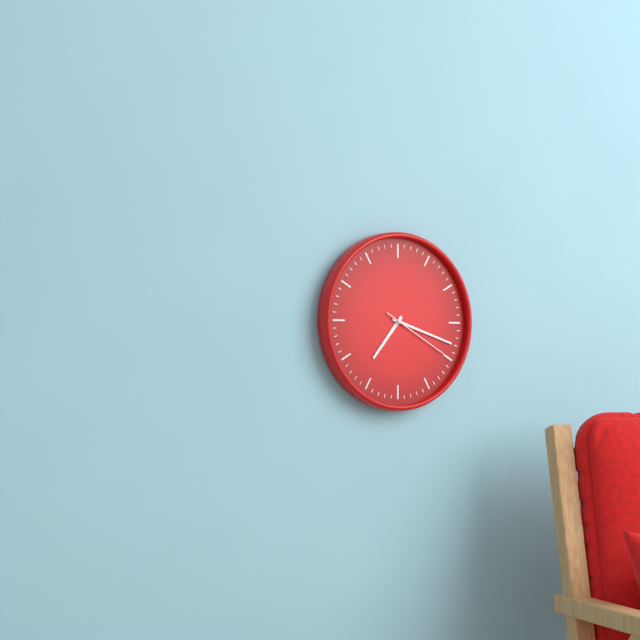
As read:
7,18,20
